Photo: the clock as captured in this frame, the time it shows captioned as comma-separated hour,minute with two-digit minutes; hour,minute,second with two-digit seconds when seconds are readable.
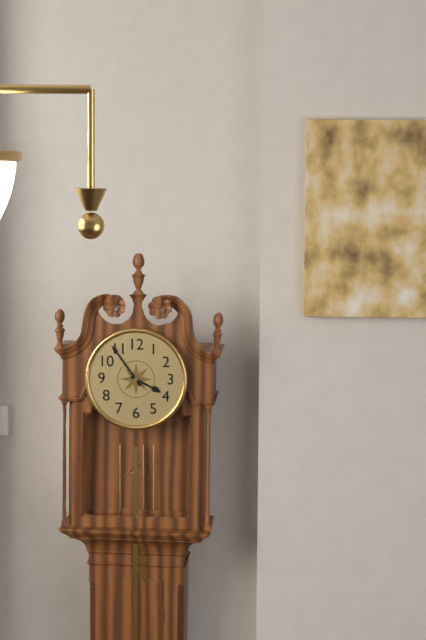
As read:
3,54
